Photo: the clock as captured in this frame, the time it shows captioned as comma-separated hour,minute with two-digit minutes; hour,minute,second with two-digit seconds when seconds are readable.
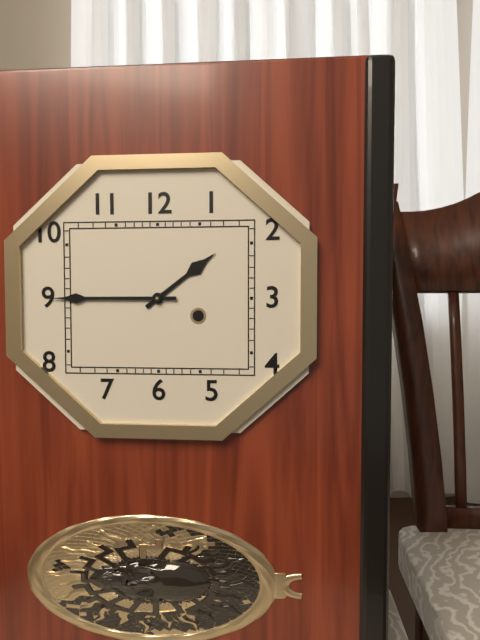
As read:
1,45
